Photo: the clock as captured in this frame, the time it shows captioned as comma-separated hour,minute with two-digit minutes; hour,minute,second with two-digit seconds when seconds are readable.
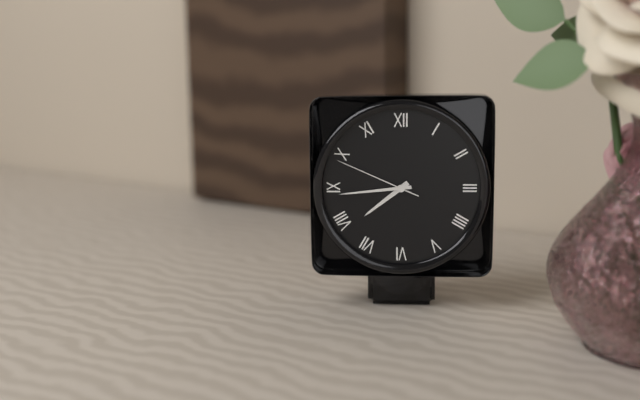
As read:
7,44,49
